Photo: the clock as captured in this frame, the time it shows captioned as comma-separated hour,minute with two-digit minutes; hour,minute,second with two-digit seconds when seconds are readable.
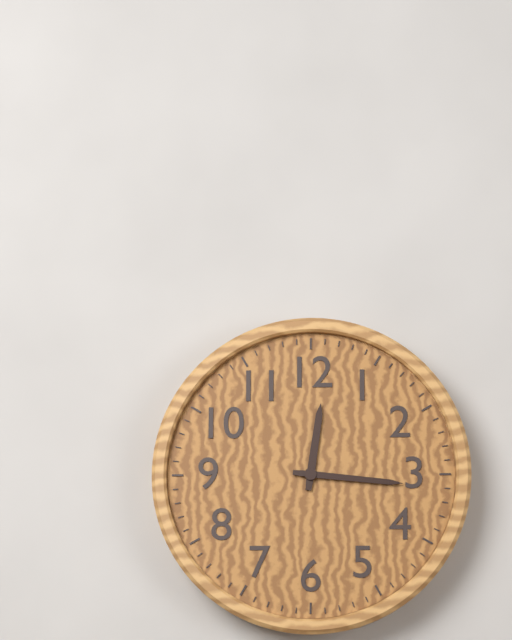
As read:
12,16
